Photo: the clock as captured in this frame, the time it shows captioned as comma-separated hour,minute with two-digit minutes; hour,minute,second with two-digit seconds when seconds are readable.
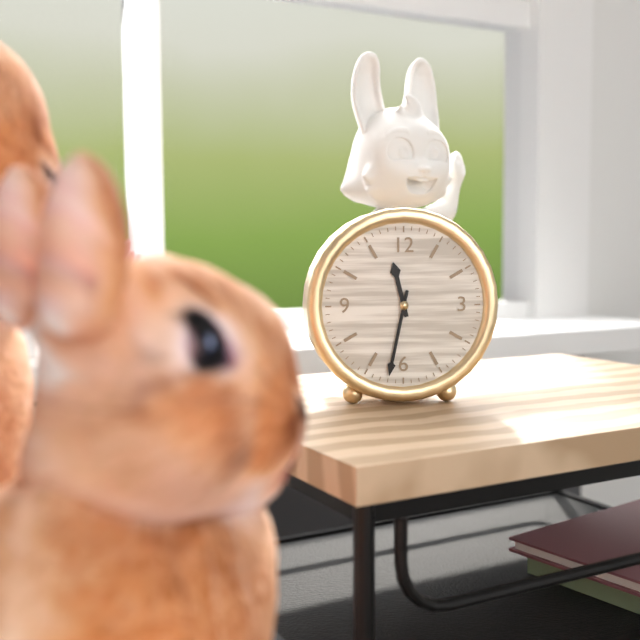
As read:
11,32
